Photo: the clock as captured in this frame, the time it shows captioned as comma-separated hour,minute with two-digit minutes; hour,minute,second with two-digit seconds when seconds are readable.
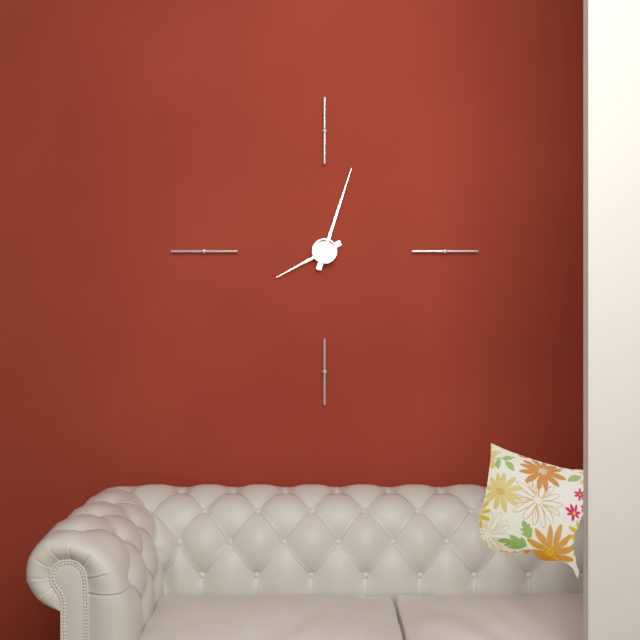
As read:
8,03
